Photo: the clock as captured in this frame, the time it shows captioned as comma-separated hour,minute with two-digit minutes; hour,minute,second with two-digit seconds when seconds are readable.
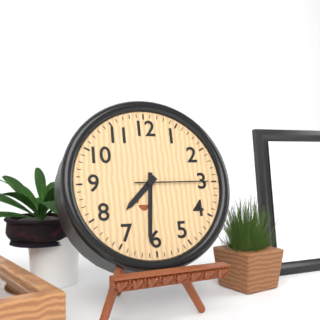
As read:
7,31,15
